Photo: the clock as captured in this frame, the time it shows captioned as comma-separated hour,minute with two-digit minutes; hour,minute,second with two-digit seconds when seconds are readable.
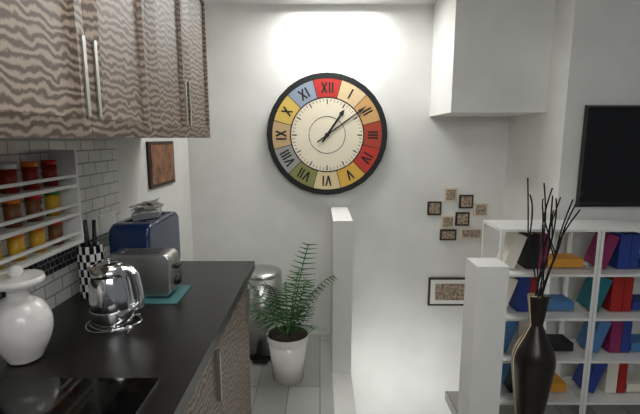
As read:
1,09
